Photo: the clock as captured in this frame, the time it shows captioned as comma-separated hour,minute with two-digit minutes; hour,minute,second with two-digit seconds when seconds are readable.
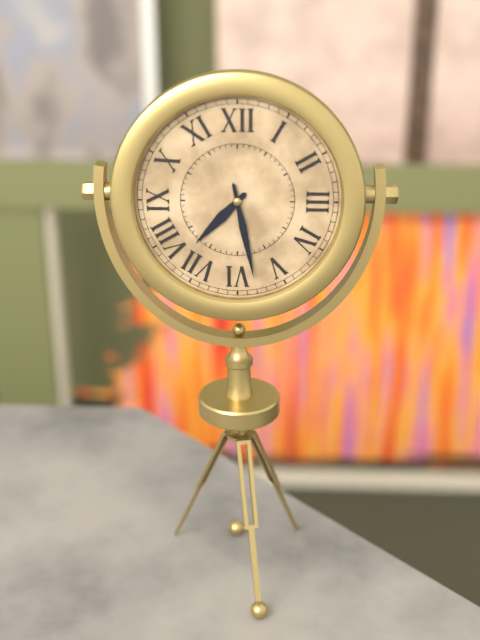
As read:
7,28
